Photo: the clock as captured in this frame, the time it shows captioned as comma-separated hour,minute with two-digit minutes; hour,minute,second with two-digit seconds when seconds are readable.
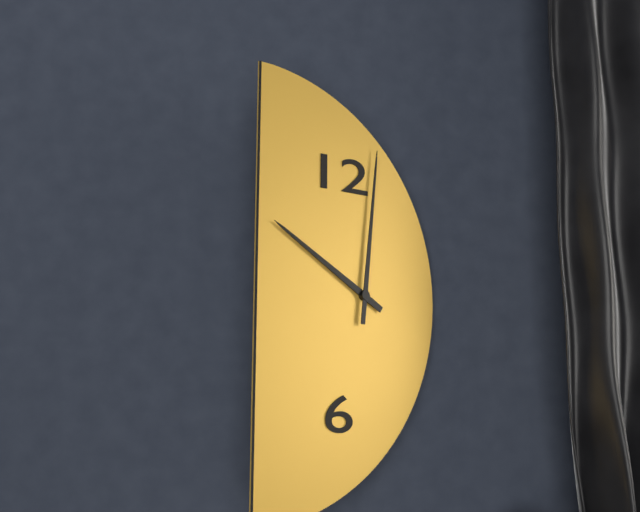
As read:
10,01
